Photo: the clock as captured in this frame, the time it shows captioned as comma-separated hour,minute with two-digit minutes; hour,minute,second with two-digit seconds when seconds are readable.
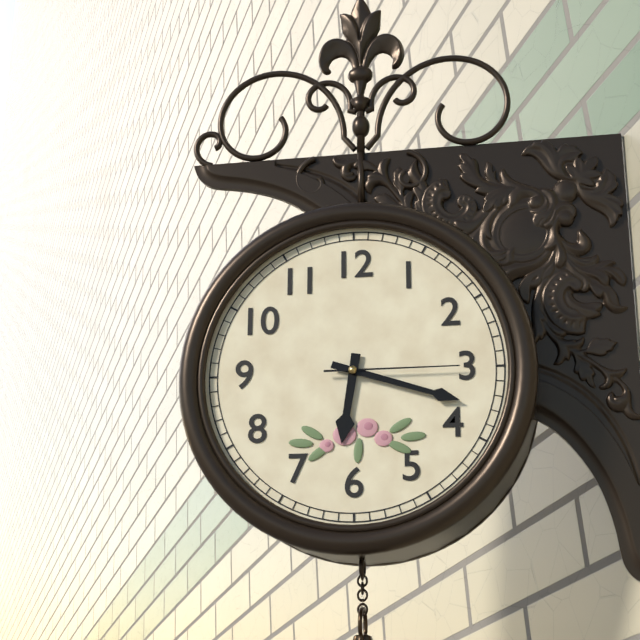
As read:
6,18,15
